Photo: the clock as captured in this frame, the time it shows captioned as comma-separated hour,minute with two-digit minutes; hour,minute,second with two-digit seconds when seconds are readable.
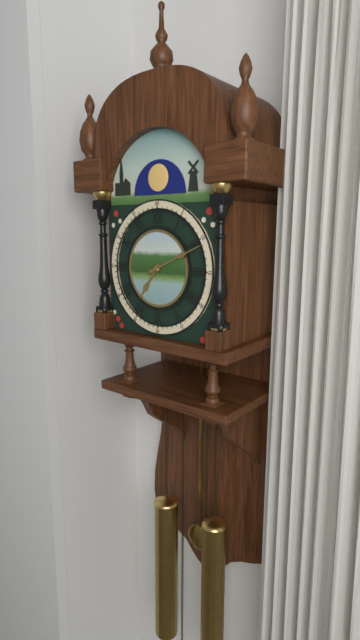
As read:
7,11
